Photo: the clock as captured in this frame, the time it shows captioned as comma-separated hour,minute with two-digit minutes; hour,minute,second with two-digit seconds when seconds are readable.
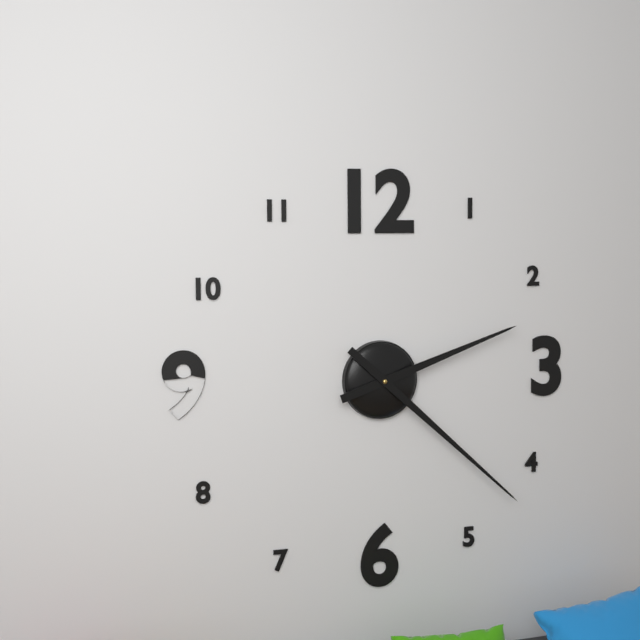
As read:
2,22
